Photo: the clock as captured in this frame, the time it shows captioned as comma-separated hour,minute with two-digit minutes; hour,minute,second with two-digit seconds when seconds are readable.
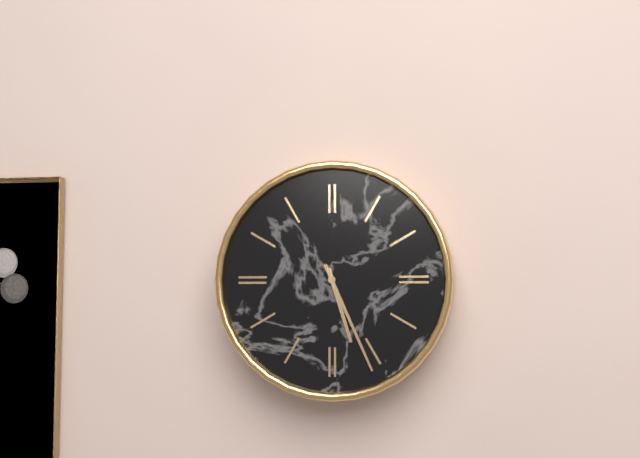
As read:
5,26
